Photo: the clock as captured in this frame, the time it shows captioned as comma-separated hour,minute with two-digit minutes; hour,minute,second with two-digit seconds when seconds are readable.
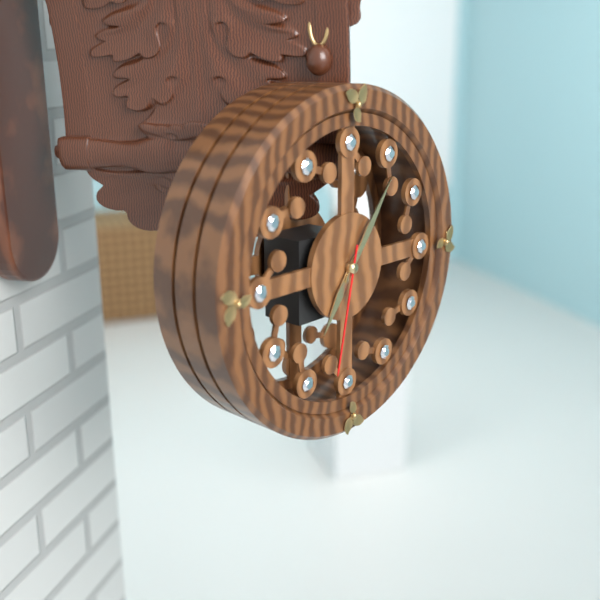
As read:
7,06,32
